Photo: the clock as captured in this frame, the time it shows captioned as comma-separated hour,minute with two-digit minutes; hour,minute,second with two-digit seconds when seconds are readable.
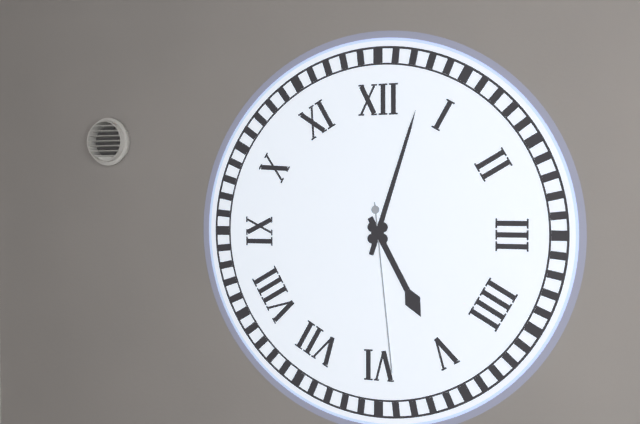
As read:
5,03,29
